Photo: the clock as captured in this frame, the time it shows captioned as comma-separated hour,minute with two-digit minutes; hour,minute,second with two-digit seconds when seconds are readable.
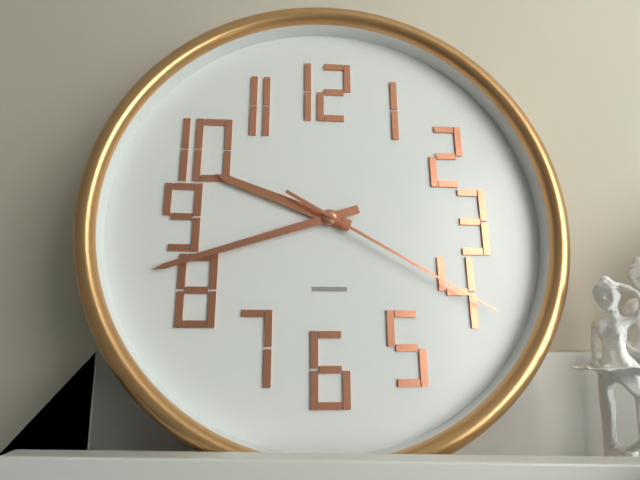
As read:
9,42,20
